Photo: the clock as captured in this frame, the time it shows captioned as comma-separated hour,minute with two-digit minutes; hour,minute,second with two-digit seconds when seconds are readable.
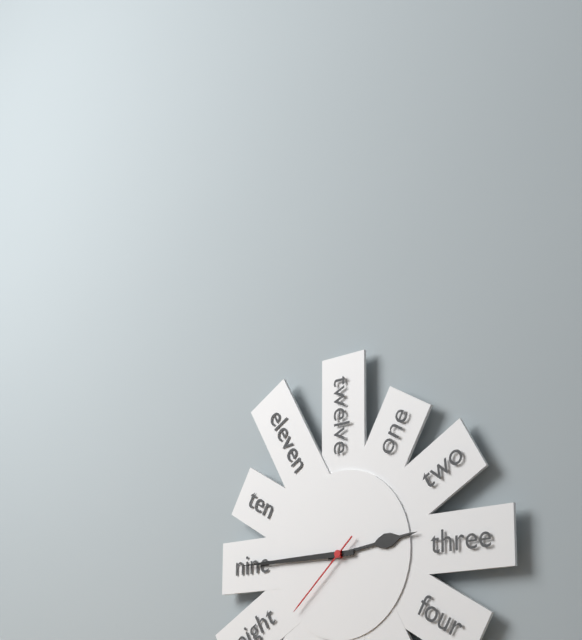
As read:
2,45,38
